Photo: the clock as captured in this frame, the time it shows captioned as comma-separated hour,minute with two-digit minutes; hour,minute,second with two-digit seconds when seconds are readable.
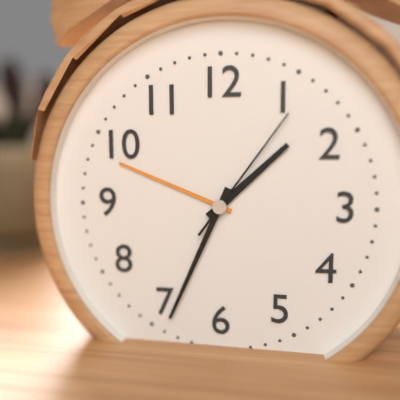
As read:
1,34,06
